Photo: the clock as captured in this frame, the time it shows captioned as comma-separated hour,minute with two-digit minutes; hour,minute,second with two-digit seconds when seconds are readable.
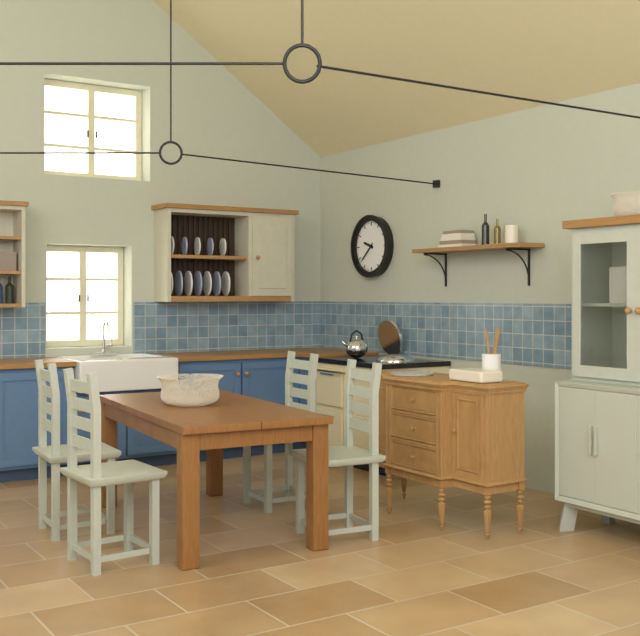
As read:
9,38
